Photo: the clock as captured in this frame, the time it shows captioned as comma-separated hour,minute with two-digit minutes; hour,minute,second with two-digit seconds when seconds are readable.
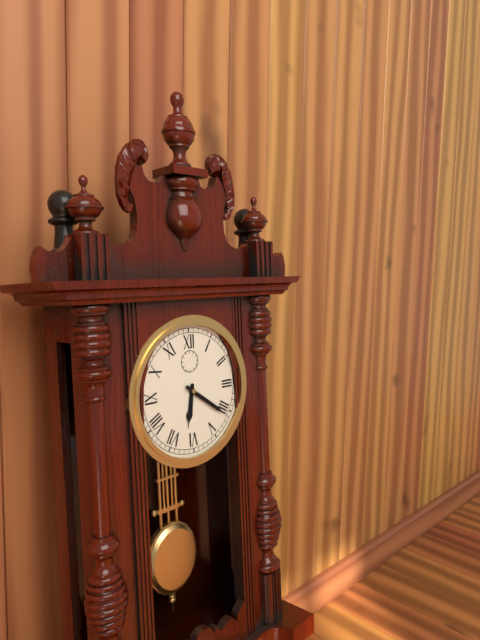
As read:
6,21
